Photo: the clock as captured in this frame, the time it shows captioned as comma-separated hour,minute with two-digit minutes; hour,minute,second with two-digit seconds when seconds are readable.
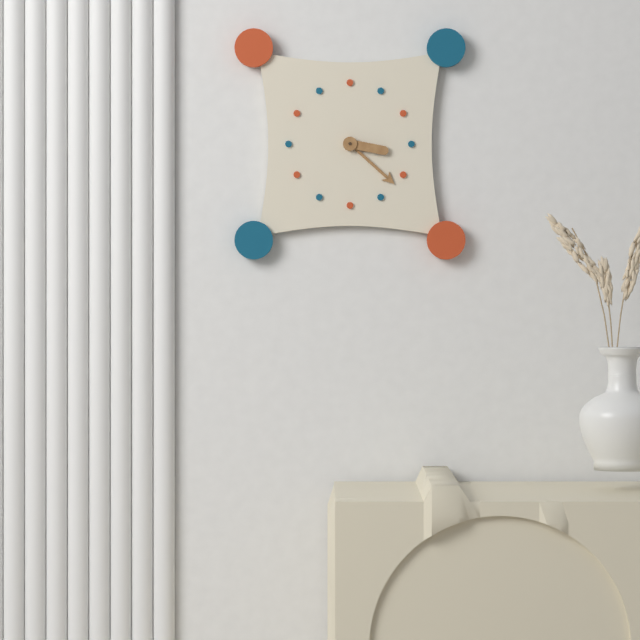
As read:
3,22
